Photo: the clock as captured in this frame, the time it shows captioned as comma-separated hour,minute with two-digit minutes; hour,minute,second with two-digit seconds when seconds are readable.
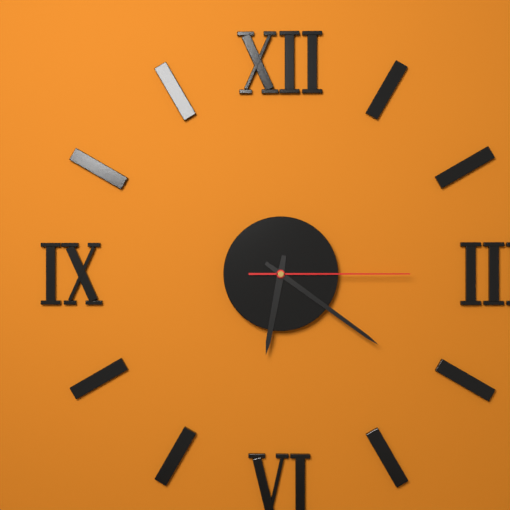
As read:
6,21,15
